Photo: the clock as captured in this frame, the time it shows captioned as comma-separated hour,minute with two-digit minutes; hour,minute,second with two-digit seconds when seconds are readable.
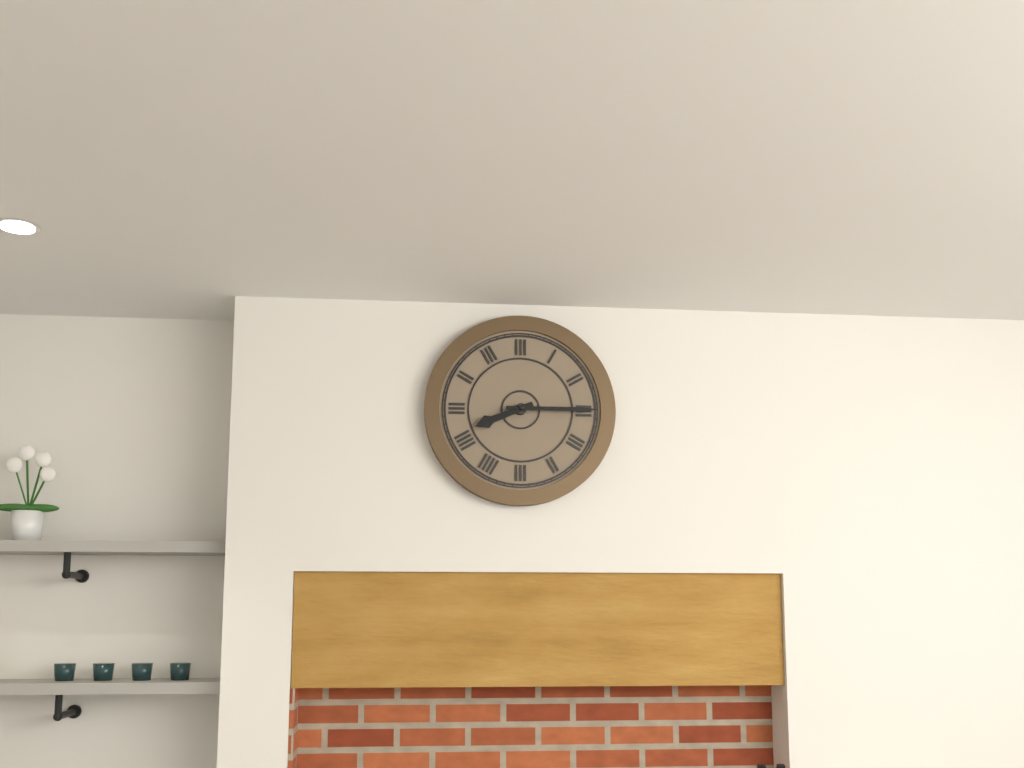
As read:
8,15
